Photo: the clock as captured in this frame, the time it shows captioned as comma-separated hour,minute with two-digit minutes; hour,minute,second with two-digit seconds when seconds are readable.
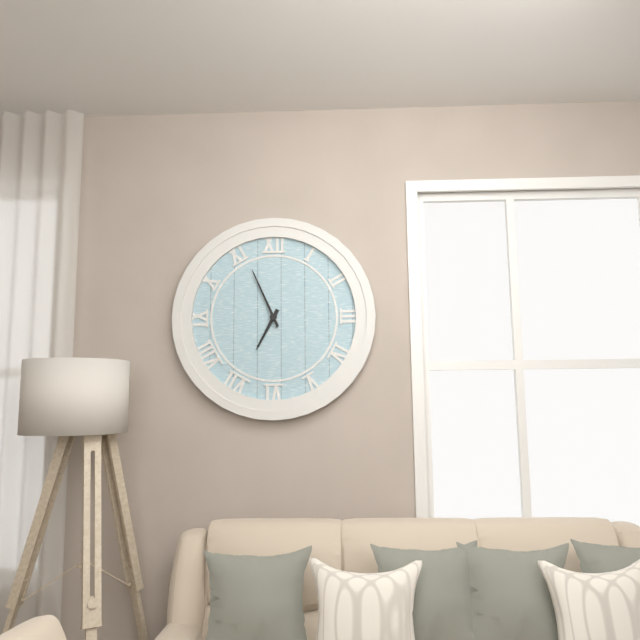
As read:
6,56
